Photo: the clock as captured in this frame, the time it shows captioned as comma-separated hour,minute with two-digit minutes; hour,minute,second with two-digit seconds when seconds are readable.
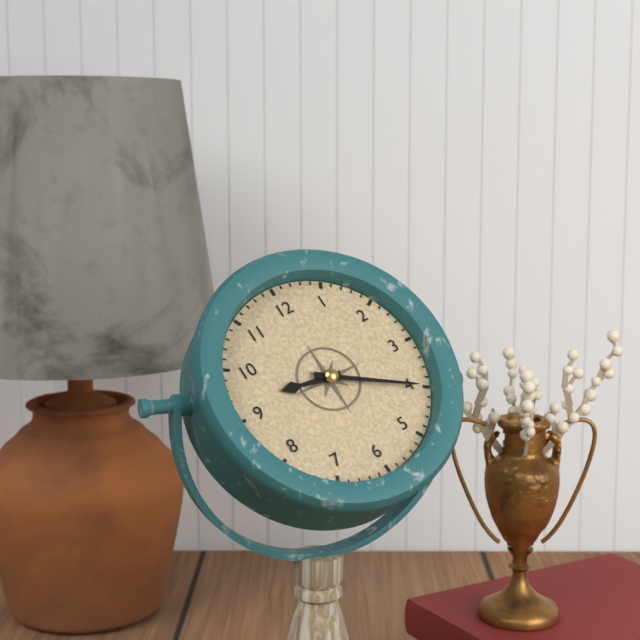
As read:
9,20
